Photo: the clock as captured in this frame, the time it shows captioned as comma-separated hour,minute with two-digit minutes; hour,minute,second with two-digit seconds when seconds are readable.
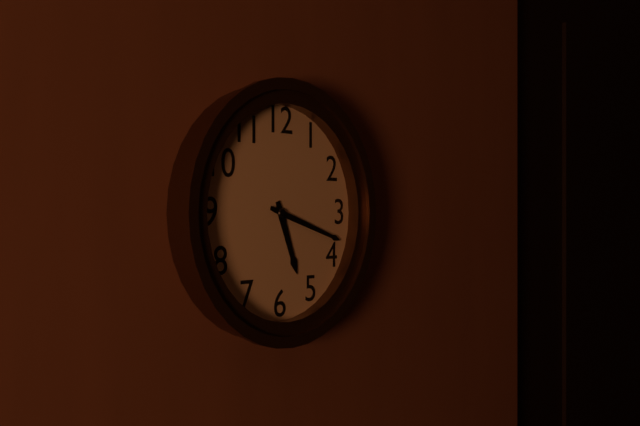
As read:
5,18
